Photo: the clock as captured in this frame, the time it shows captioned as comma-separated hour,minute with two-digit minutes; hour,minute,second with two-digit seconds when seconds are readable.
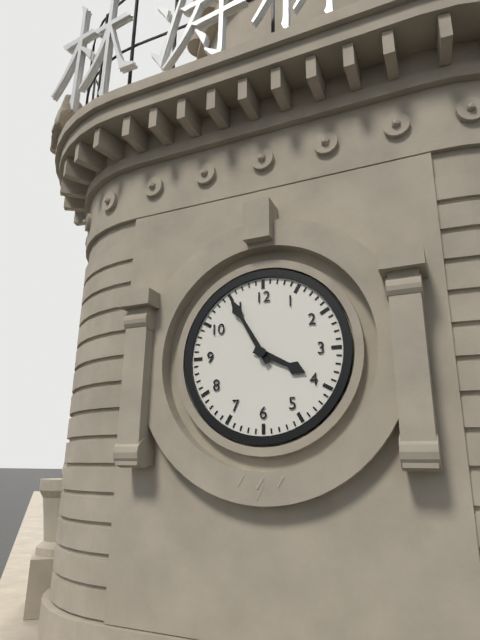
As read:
3,55
